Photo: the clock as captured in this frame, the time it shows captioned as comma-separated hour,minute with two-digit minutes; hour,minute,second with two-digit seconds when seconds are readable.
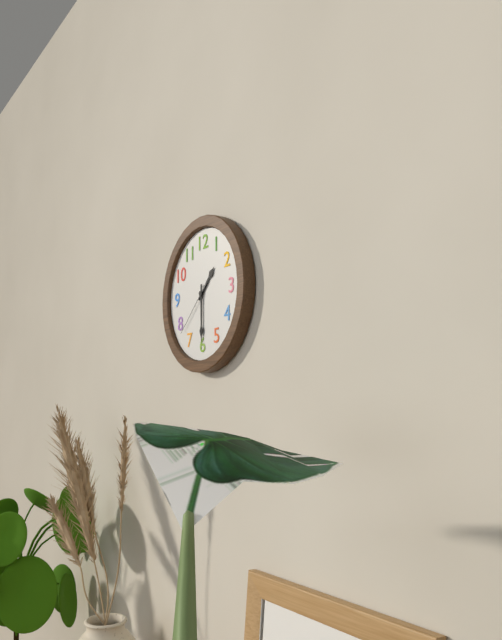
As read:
1,30,38
